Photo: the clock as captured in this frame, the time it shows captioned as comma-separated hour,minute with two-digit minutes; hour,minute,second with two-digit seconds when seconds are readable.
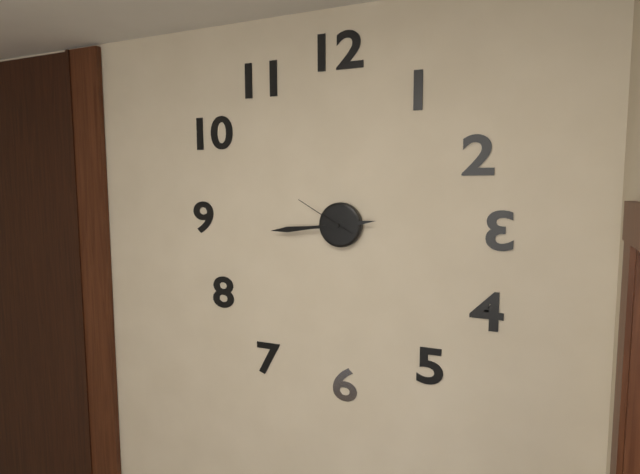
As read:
2,44,50
